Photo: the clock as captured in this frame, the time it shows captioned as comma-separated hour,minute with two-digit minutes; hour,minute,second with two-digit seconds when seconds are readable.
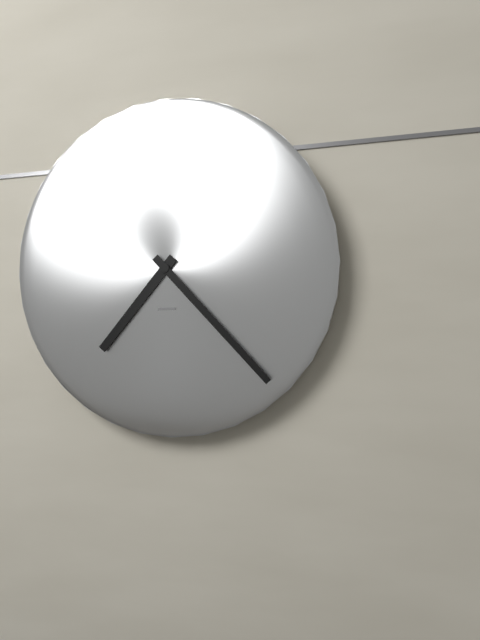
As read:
7,23
